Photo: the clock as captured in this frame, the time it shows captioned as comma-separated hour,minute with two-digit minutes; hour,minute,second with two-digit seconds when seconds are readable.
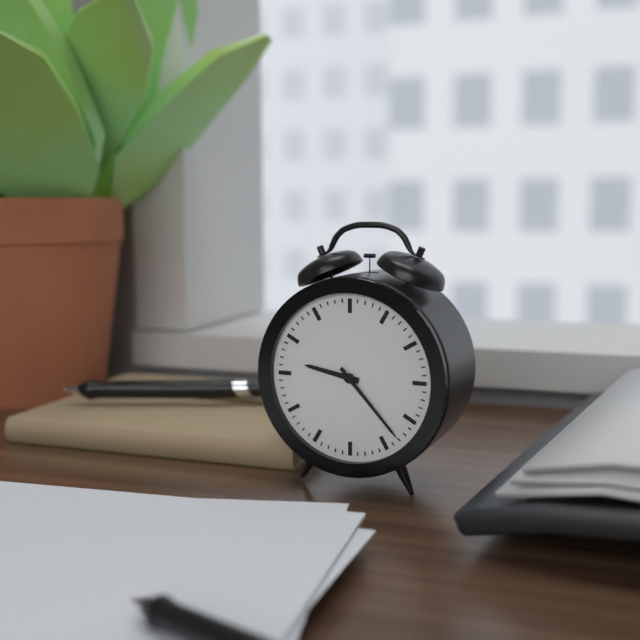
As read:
9,23
